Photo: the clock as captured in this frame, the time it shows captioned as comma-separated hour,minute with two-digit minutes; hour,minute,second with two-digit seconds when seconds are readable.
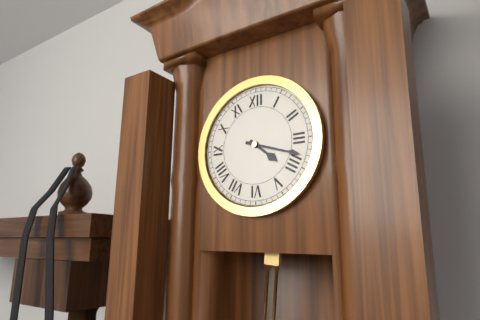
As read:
4,18
